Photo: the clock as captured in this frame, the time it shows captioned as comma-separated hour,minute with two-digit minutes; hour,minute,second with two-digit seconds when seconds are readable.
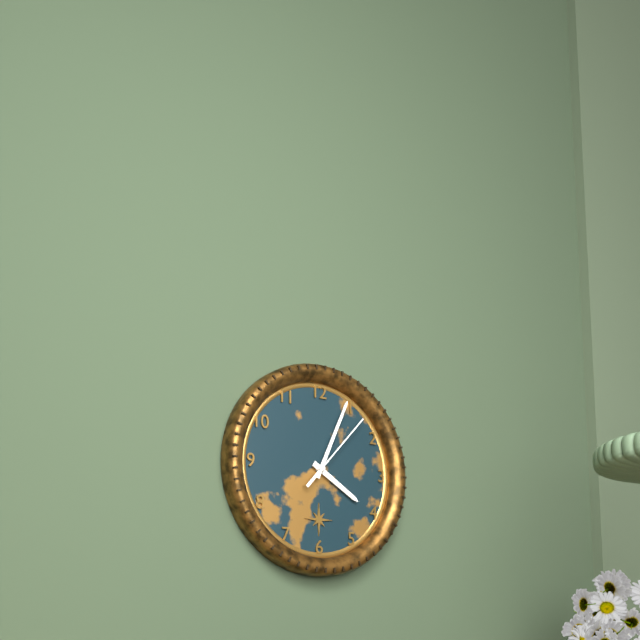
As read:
4,04,07
